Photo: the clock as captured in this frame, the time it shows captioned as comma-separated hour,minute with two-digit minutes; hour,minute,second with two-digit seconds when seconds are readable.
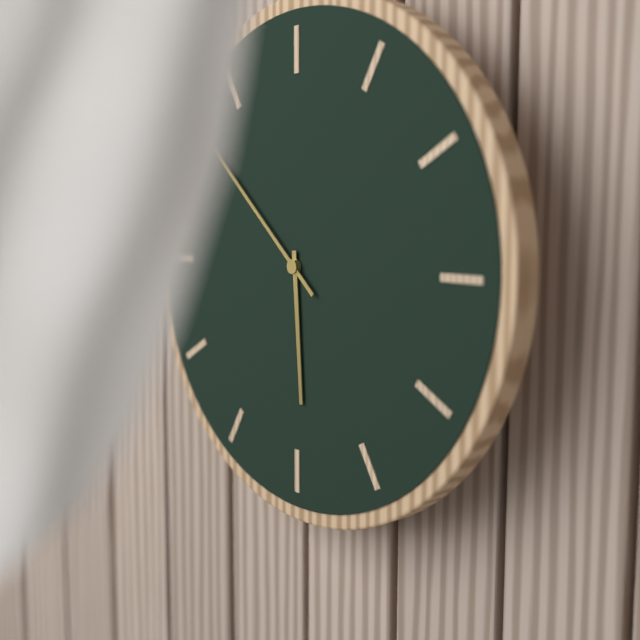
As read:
5,52
